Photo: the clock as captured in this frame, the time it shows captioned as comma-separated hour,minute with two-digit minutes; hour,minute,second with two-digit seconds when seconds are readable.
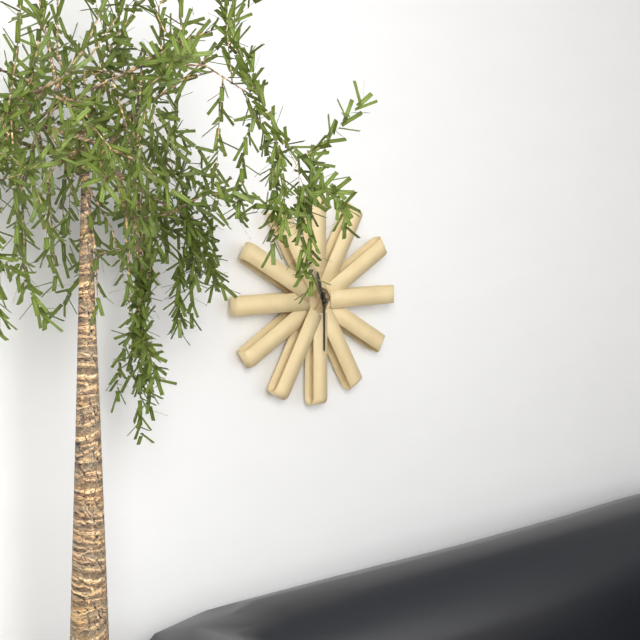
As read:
11,30
